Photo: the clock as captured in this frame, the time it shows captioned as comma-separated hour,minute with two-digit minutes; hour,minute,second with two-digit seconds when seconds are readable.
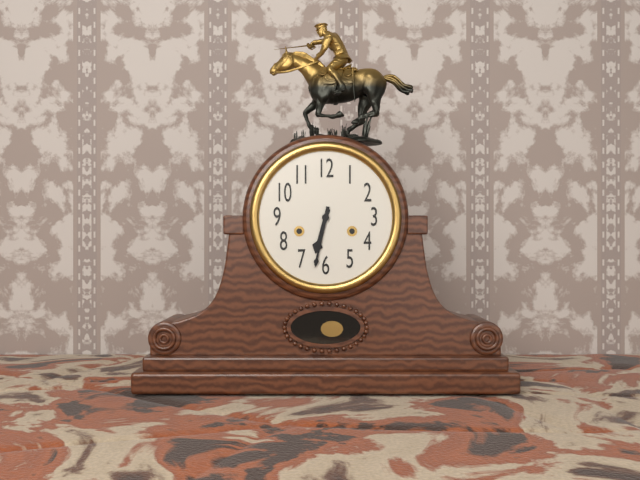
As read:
6,32
